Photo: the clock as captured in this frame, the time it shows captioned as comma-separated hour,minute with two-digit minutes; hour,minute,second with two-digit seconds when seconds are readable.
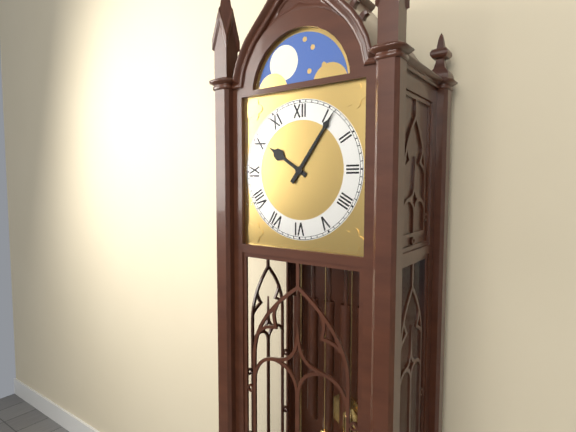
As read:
10,06
